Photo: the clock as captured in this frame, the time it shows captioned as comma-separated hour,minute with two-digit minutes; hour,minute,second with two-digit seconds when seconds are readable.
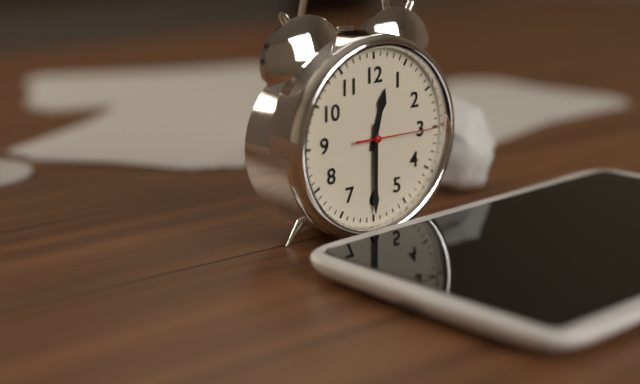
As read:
12,30,15
